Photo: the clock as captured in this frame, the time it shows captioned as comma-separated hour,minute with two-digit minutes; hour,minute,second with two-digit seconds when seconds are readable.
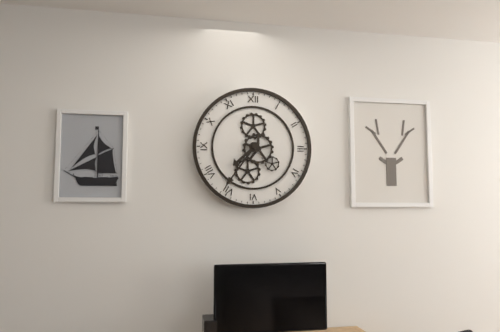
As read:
7,36
